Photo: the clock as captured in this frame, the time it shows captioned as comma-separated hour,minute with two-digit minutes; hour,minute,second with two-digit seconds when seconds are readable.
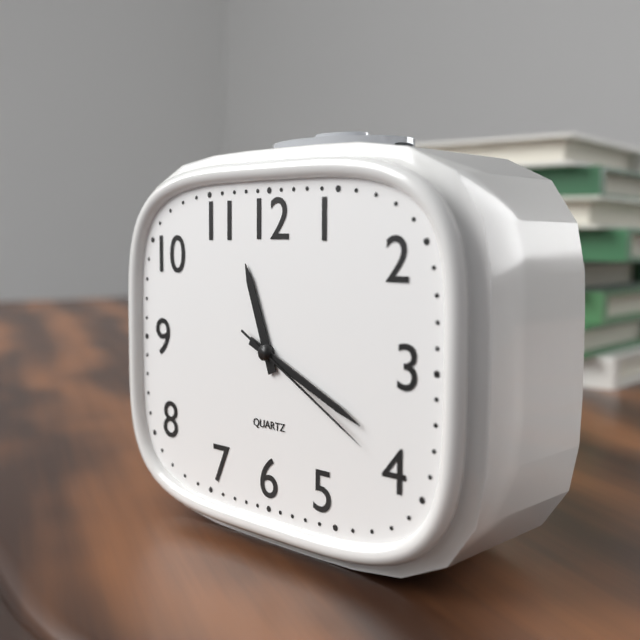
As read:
11,19,20
